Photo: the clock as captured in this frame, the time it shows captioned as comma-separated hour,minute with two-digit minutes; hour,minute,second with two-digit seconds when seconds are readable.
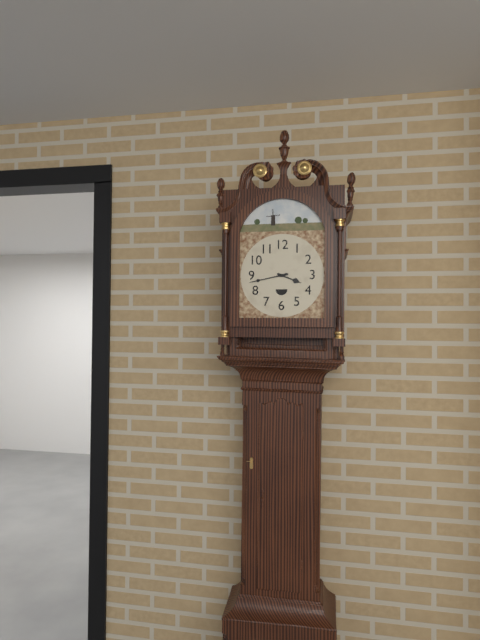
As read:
3,43
